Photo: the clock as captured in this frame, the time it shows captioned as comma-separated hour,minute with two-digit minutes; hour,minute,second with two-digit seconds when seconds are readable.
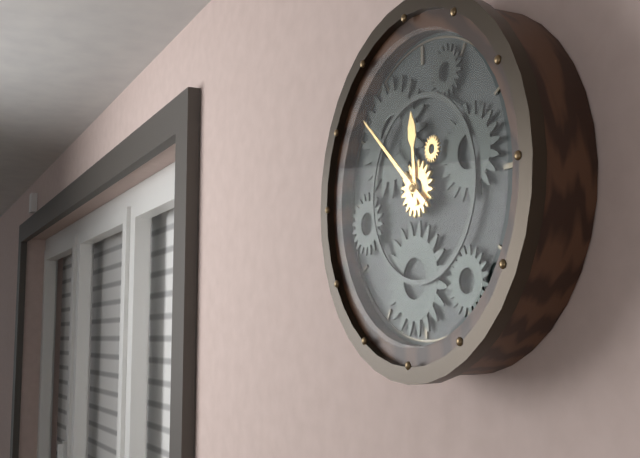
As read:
11,52
